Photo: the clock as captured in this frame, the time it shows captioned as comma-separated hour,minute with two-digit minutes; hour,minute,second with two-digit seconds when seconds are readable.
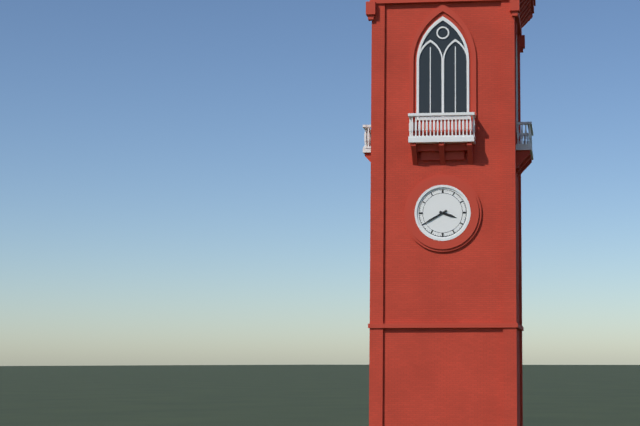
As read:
3,40
